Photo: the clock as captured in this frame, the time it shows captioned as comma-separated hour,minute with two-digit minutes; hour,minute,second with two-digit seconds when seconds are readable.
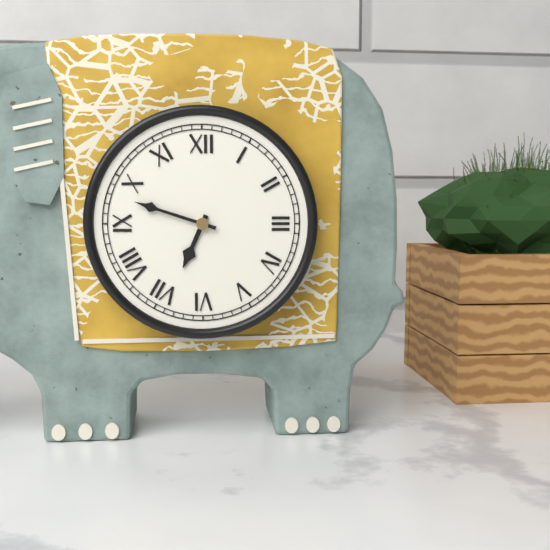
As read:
6,48
